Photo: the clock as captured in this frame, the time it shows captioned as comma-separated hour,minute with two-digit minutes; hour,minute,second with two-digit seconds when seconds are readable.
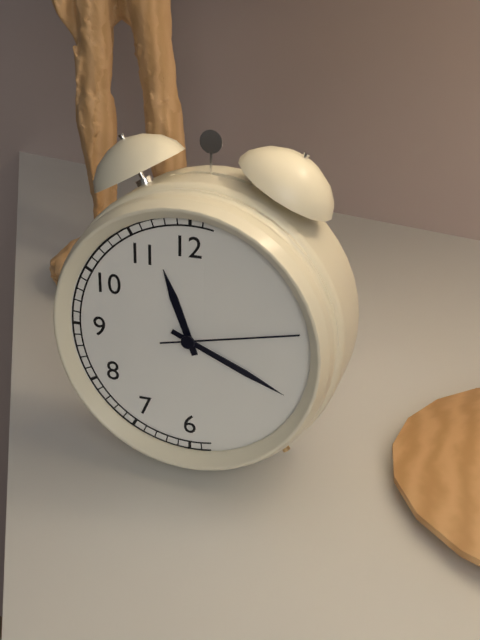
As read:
11,19,13
